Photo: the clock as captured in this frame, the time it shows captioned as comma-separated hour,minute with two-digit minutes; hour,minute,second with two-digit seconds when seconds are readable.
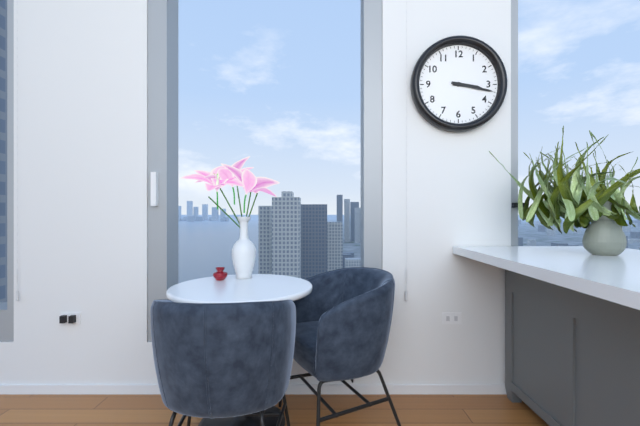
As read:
3,17
